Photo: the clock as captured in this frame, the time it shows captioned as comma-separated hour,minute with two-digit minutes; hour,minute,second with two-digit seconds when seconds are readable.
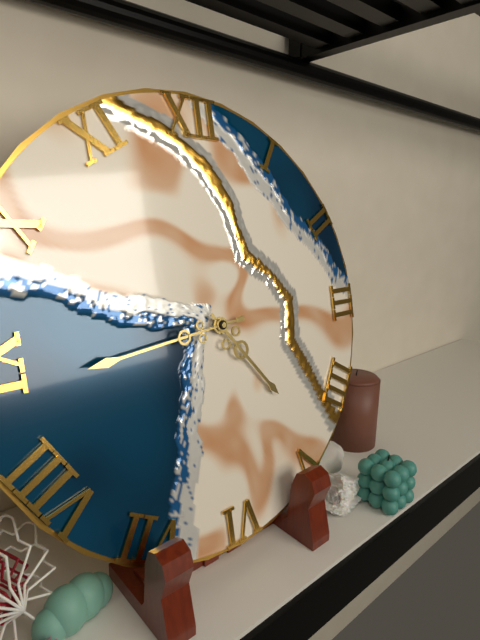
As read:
4,44
